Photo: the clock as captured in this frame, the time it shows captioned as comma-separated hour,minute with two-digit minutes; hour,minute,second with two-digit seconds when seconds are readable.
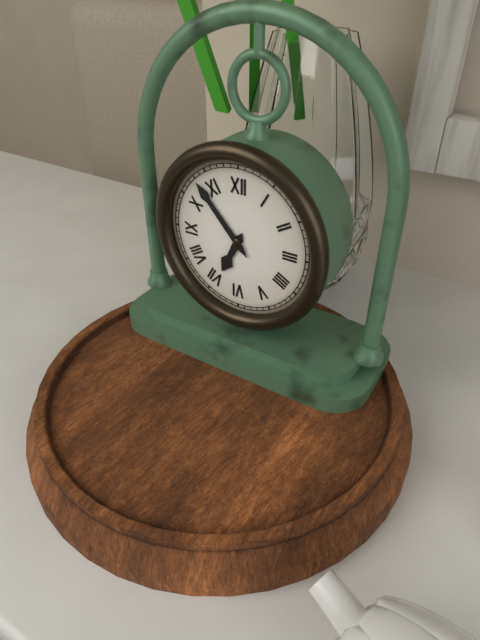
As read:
6,53
